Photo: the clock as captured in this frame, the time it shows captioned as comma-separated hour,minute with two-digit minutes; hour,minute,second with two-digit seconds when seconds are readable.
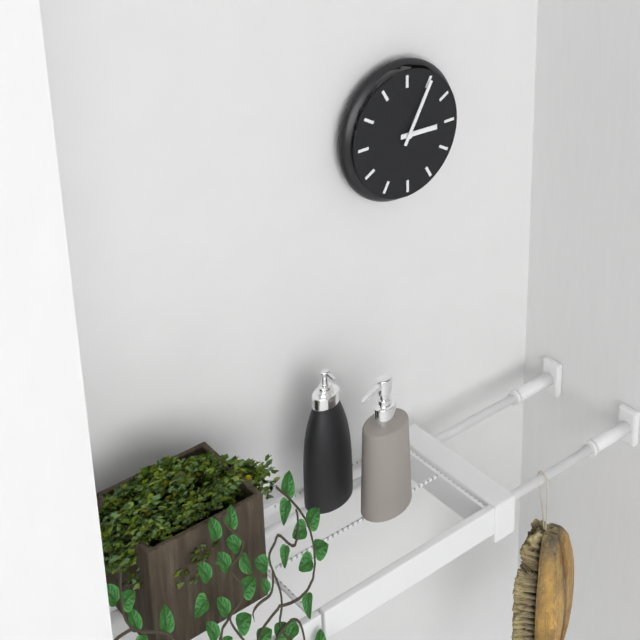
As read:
3,05
